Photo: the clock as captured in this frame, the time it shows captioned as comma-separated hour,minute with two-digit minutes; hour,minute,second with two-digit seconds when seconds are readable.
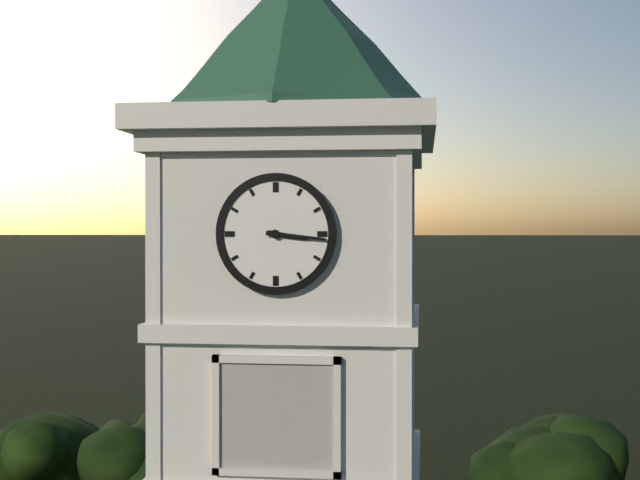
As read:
3,16
